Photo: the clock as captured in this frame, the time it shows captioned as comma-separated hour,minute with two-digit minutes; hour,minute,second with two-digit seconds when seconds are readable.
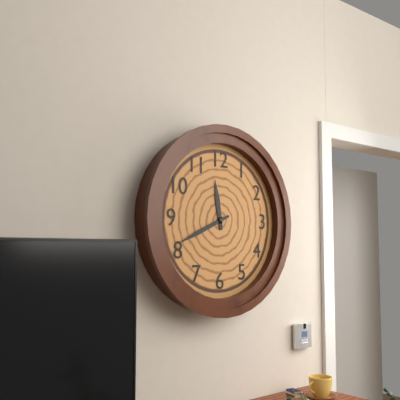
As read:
11,41
